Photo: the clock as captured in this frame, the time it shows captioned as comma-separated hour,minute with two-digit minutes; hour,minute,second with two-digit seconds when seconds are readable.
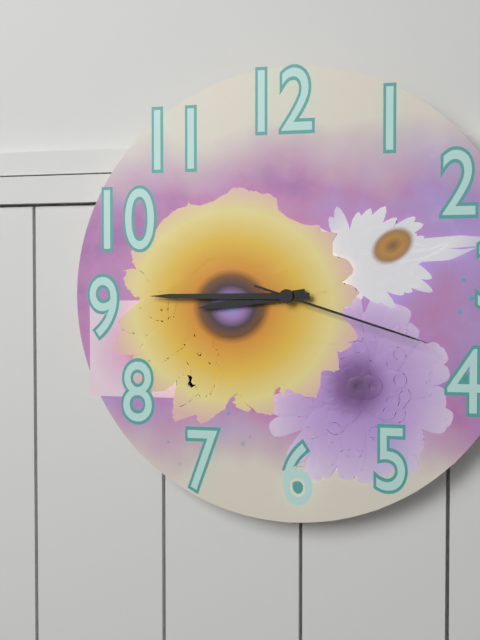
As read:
8,45,18
